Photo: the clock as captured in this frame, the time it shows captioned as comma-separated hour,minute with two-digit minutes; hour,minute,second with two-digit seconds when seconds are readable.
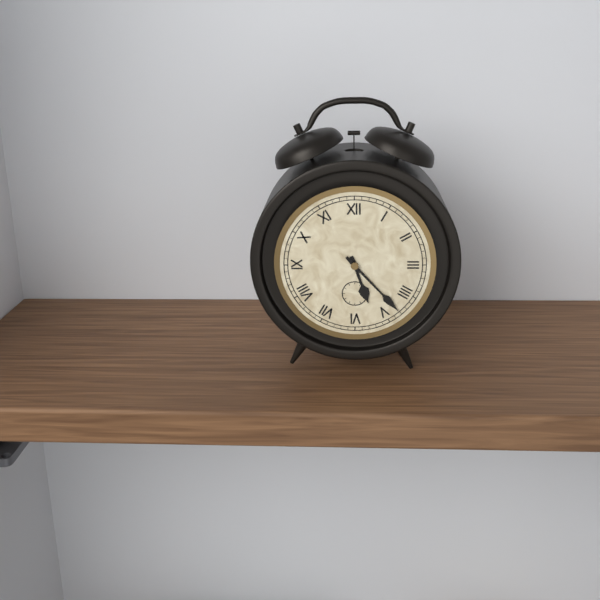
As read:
5,23
